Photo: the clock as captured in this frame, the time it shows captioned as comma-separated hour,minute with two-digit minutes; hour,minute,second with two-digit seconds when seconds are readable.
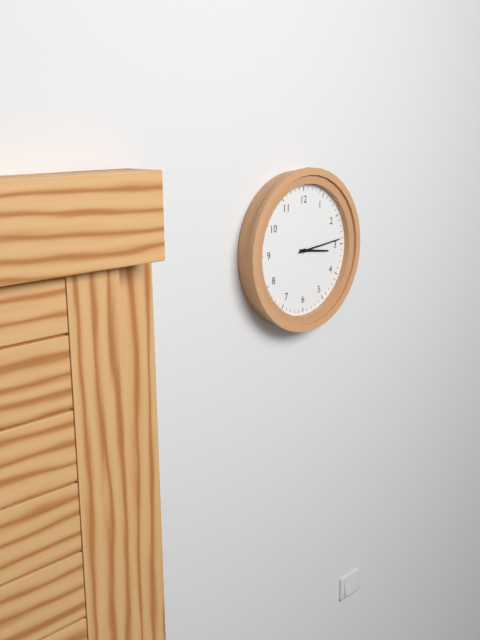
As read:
3,14
